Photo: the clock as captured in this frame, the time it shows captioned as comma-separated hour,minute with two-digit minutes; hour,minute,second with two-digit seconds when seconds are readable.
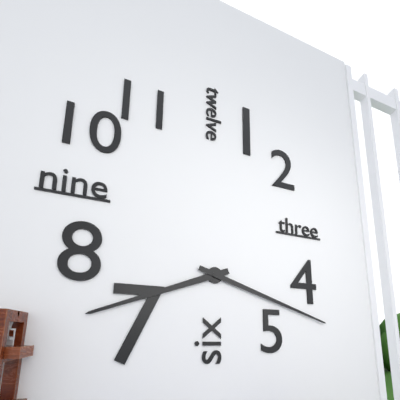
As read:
8,18
